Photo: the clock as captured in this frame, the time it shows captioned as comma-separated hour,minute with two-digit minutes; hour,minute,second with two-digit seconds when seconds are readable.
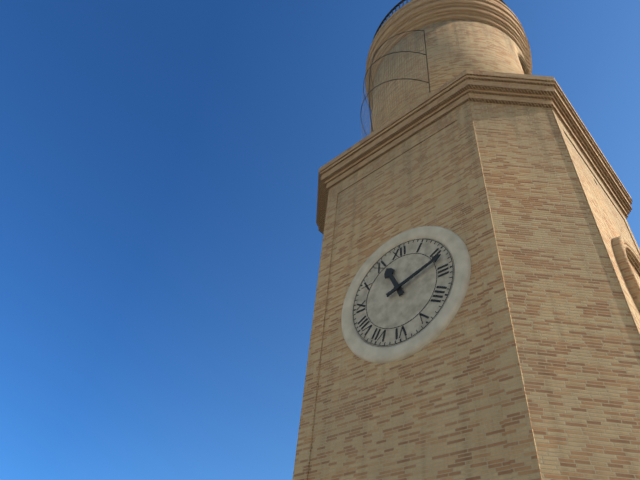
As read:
11,12
